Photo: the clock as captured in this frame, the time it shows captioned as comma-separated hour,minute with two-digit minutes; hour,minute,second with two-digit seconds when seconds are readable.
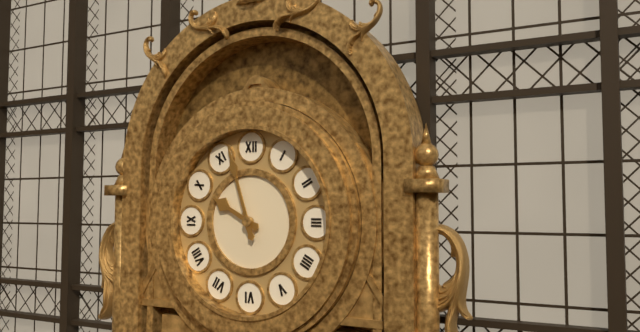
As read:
9,57
